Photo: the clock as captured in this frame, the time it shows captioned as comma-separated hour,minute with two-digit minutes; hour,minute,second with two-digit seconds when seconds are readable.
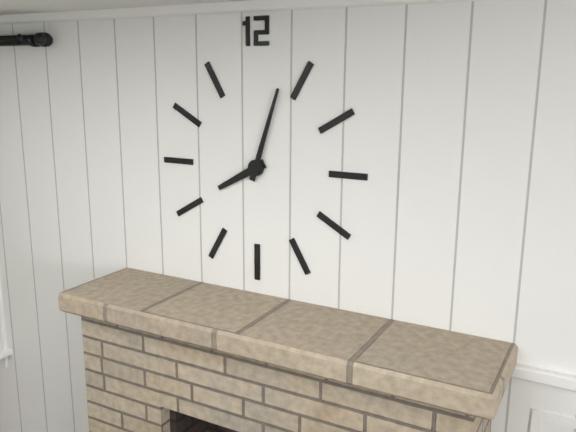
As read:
8,03
